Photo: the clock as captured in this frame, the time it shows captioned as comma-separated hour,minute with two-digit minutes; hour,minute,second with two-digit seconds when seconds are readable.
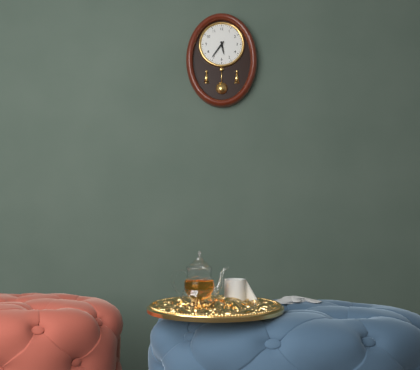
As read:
5,36
